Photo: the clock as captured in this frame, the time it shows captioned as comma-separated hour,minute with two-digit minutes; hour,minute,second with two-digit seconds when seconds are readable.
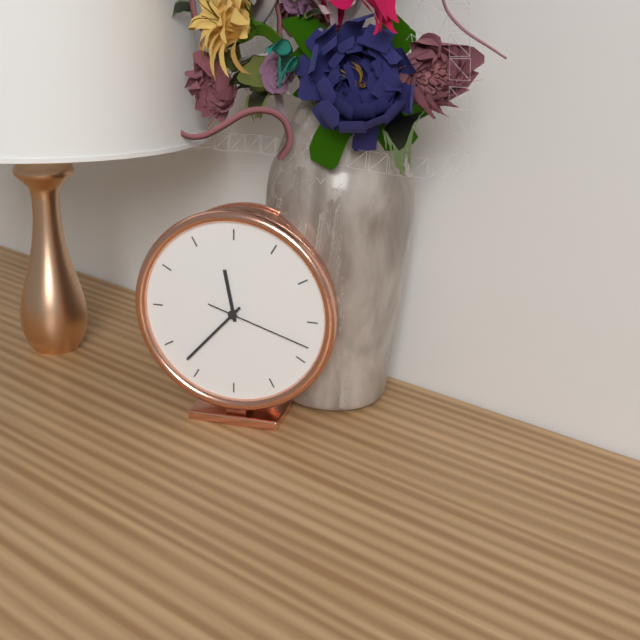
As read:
11,37,18
